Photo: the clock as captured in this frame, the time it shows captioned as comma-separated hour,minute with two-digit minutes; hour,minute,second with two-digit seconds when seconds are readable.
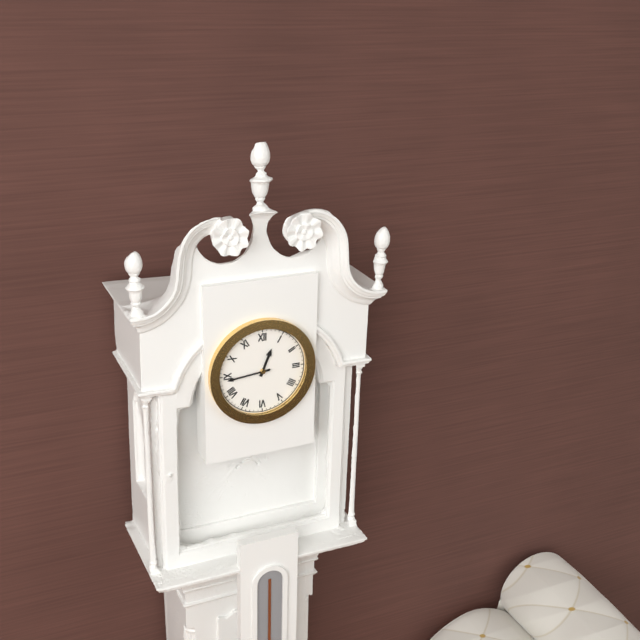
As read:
12,44
